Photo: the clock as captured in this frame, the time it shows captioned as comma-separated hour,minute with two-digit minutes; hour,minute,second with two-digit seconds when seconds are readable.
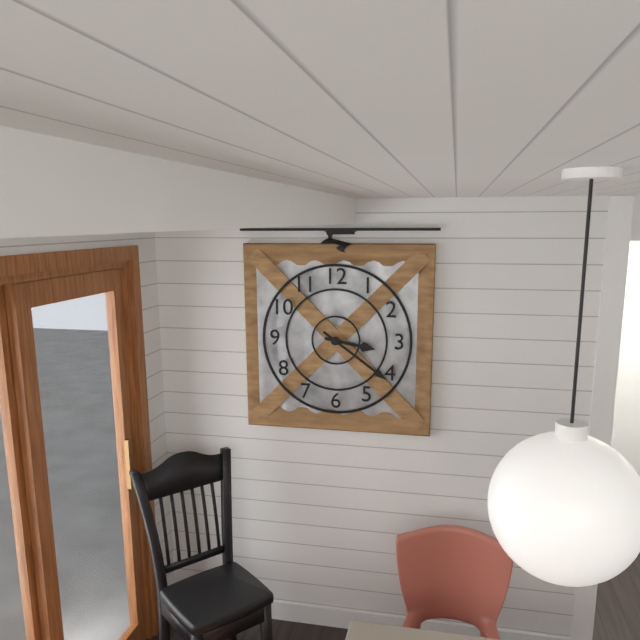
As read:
3,21
